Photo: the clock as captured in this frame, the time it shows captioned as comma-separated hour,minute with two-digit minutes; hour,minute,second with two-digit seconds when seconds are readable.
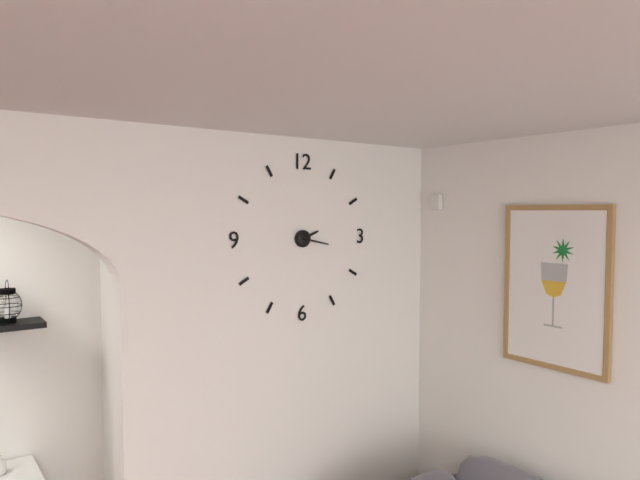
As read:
2,17
